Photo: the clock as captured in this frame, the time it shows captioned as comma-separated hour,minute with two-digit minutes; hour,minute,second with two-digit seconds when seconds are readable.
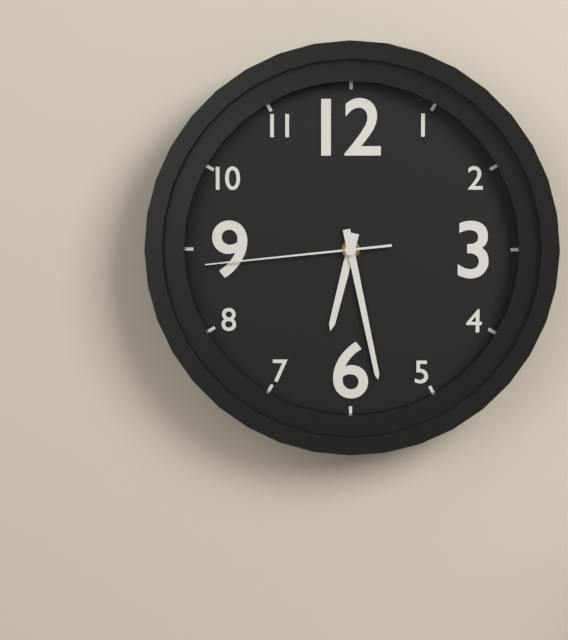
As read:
6,28,44
